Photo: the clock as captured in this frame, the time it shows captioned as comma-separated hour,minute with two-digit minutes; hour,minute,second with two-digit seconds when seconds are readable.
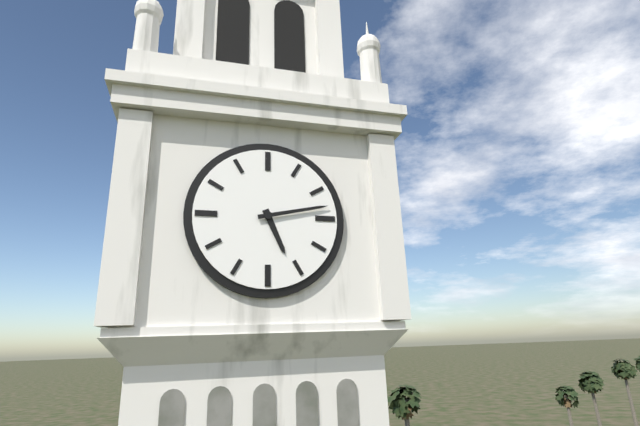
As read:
5,13
